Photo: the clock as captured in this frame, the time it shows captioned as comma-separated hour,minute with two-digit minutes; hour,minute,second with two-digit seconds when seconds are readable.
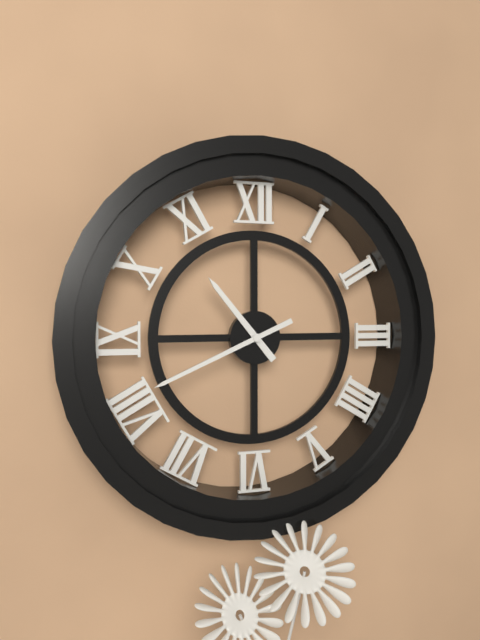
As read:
10,41
